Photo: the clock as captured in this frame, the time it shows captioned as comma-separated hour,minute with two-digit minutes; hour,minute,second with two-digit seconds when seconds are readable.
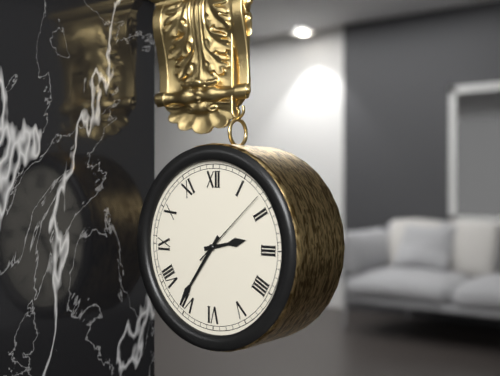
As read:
2,36,08
